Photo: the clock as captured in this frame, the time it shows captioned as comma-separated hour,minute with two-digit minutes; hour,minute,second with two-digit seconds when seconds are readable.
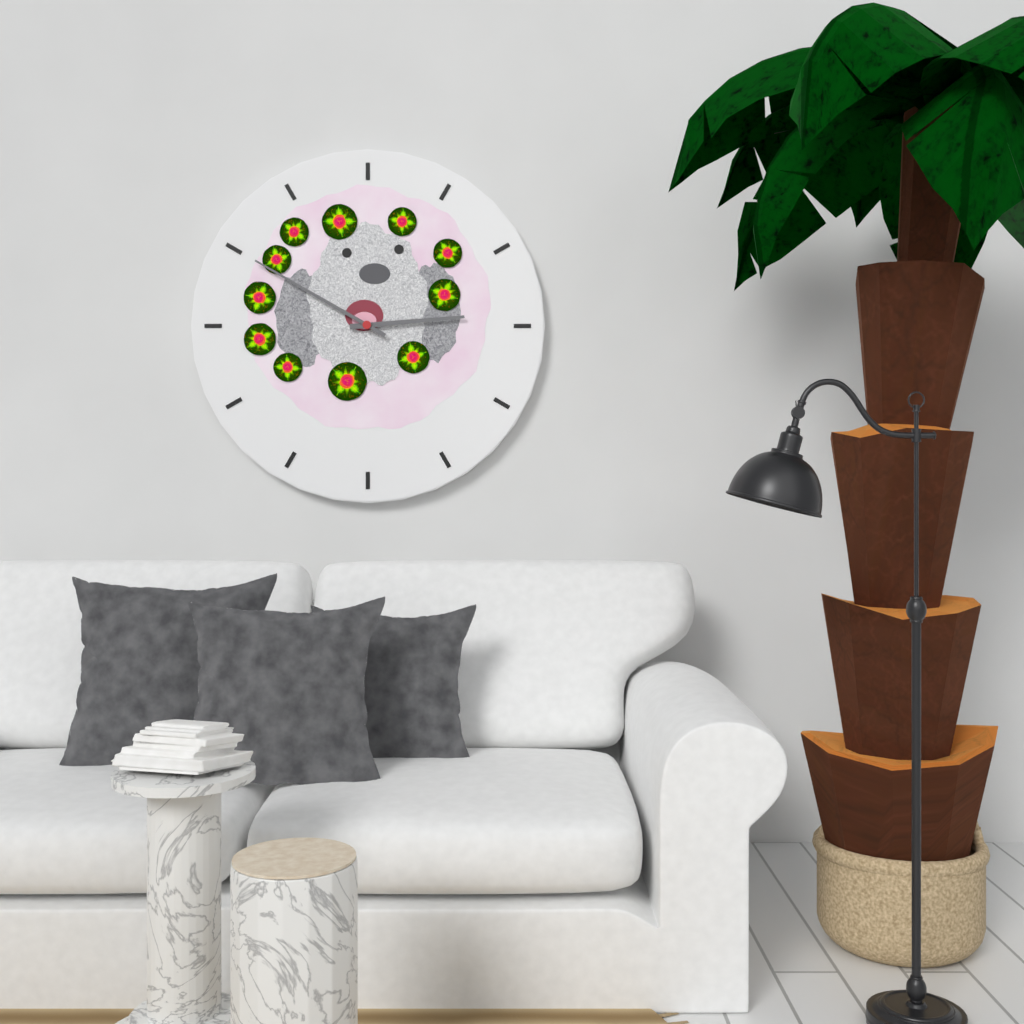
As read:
2,50
